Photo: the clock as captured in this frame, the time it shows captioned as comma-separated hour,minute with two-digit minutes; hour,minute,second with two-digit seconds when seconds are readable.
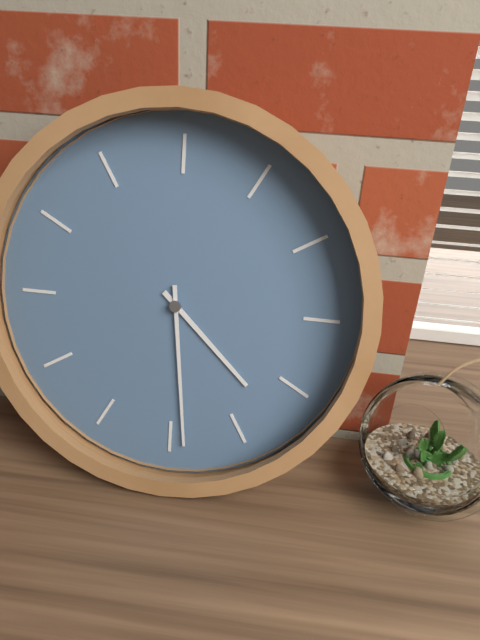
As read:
4,29
